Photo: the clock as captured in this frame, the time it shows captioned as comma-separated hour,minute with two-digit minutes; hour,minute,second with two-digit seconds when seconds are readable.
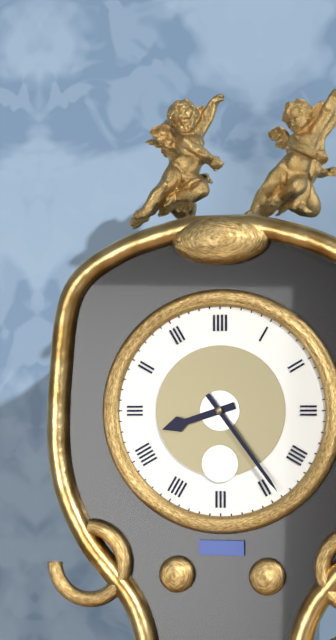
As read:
8,24
